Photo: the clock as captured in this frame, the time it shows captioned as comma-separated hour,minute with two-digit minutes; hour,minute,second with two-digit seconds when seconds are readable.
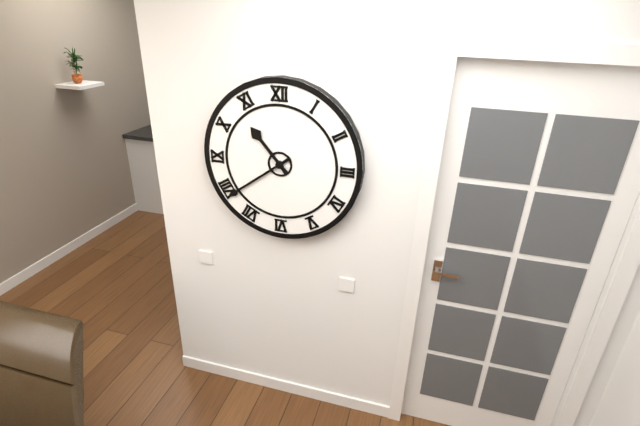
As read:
10,39
